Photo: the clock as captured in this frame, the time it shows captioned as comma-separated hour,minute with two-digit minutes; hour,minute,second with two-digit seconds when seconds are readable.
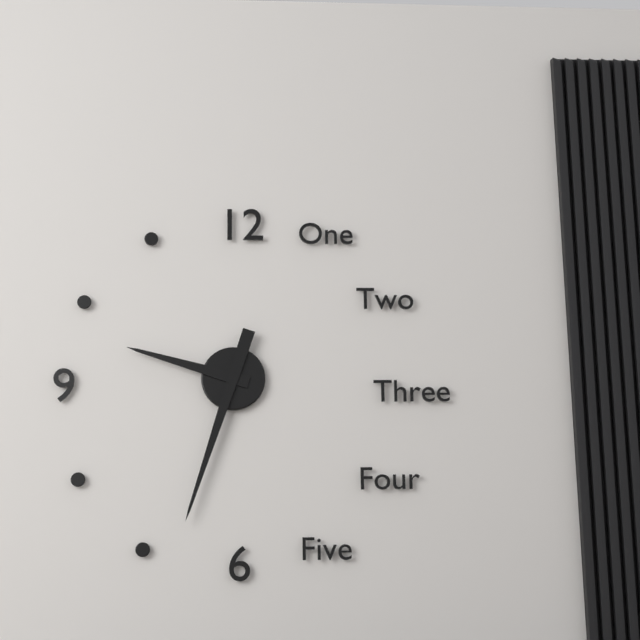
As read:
9,33
